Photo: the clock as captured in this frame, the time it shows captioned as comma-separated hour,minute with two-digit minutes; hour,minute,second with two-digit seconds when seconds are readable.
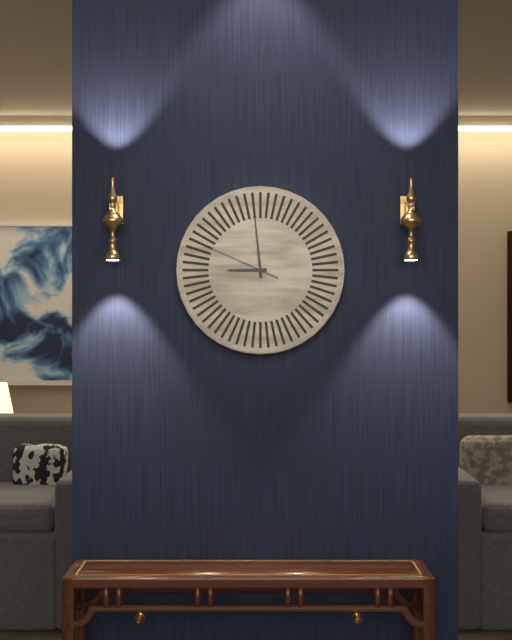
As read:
8,59,49
